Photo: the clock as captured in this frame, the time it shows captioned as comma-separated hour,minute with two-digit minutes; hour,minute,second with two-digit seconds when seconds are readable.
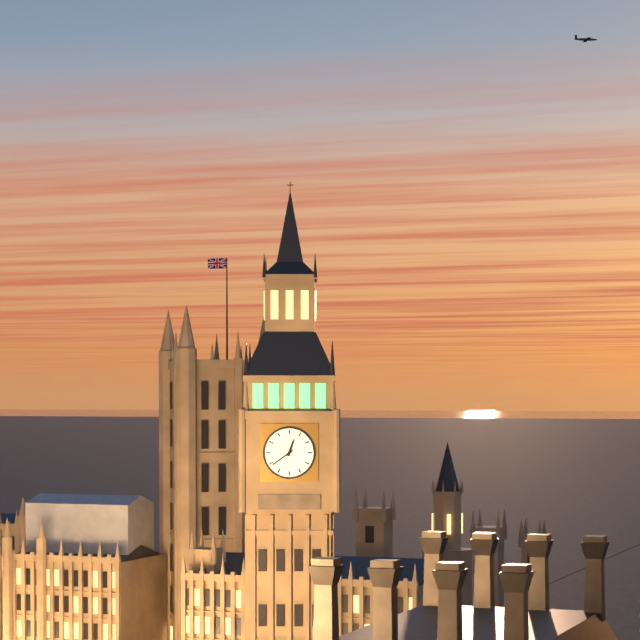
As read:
12,39
